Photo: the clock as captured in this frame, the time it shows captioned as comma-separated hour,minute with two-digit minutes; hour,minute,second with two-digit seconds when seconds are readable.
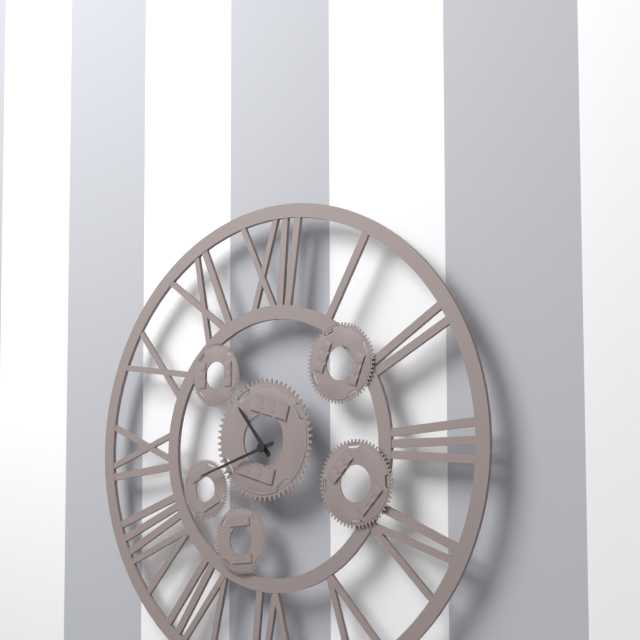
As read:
10,42
